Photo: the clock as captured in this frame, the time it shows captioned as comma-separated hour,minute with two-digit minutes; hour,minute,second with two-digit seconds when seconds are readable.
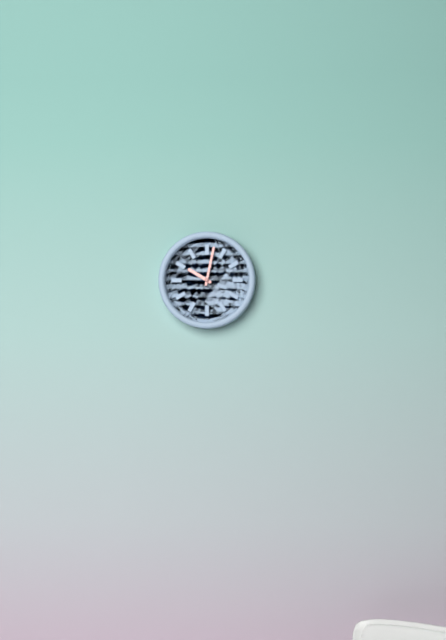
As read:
10,02
